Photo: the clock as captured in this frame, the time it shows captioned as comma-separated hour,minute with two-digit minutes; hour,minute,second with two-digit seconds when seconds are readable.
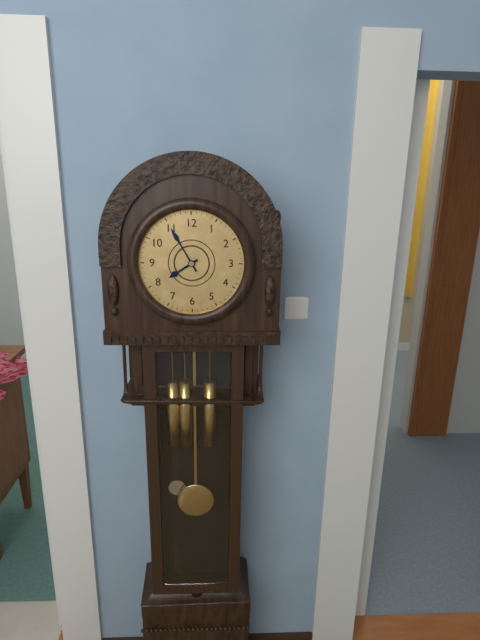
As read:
7,55
